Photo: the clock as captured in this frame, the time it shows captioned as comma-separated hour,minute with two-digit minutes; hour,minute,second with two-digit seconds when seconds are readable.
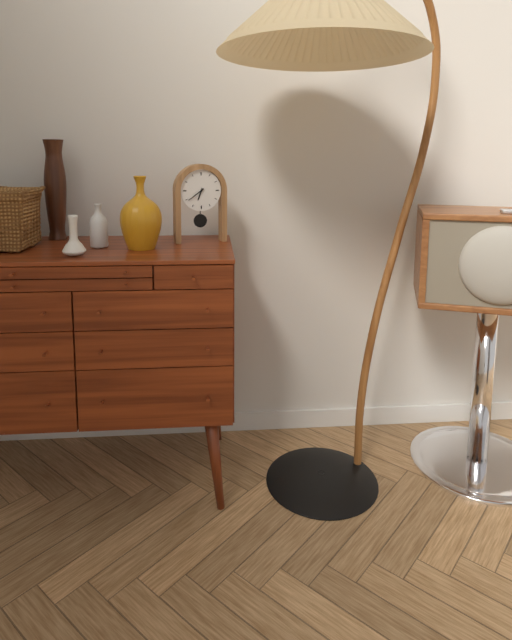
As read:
6,39
